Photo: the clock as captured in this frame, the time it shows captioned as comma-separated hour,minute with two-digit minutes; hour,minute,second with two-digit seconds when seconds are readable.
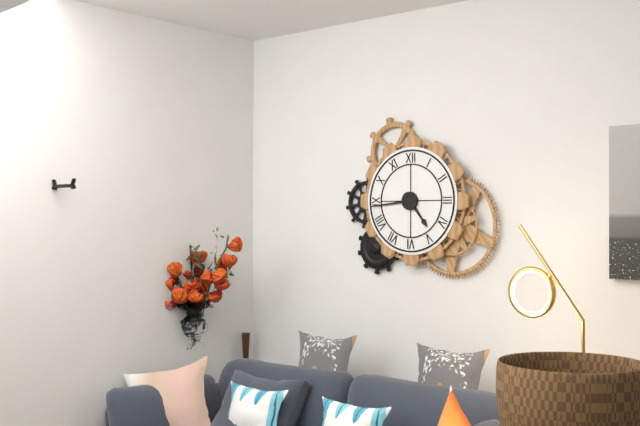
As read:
4,44
